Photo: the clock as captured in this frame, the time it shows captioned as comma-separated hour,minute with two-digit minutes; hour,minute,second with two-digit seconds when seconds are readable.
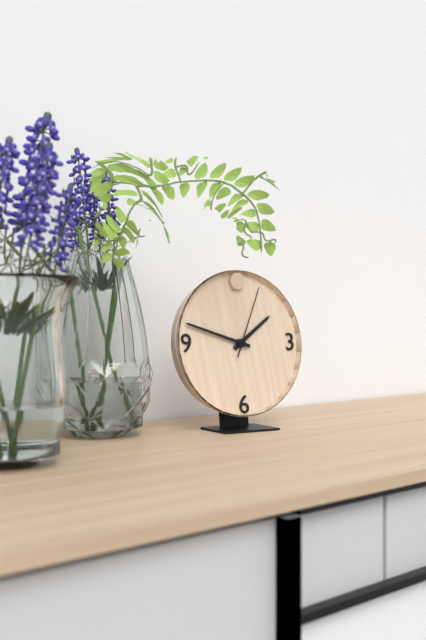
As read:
1,48,04
